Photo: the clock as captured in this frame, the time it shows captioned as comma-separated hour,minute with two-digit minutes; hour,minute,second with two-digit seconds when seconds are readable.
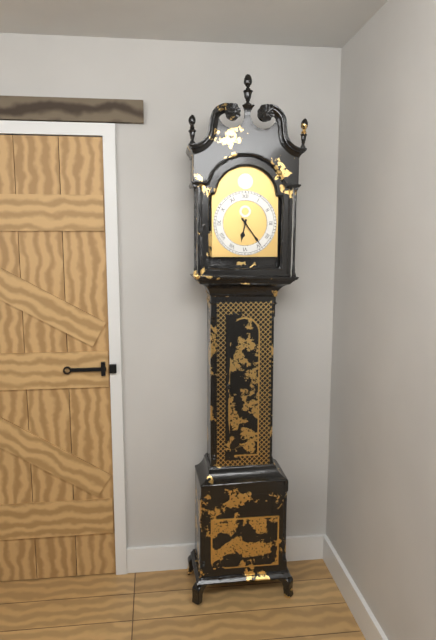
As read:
6,24
